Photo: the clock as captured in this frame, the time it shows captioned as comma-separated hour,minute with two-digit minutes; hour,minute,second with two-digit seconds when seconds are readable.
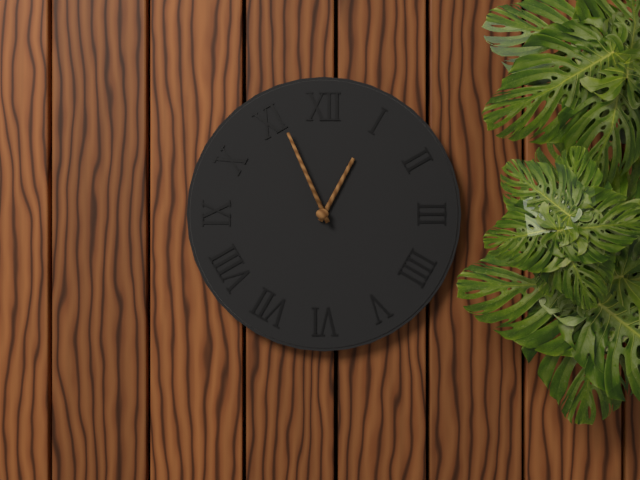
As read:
12,56
